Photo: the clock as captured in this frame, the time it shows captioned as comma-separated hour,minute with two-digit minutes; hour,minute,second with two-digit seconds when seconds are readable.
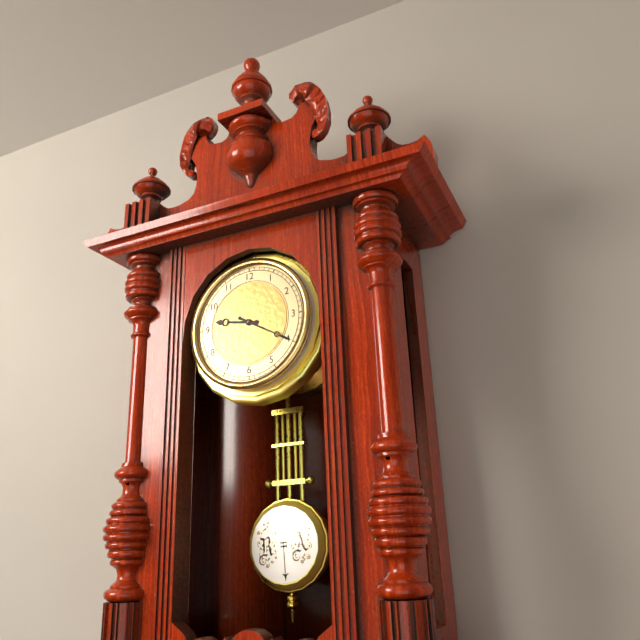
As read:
9,20
